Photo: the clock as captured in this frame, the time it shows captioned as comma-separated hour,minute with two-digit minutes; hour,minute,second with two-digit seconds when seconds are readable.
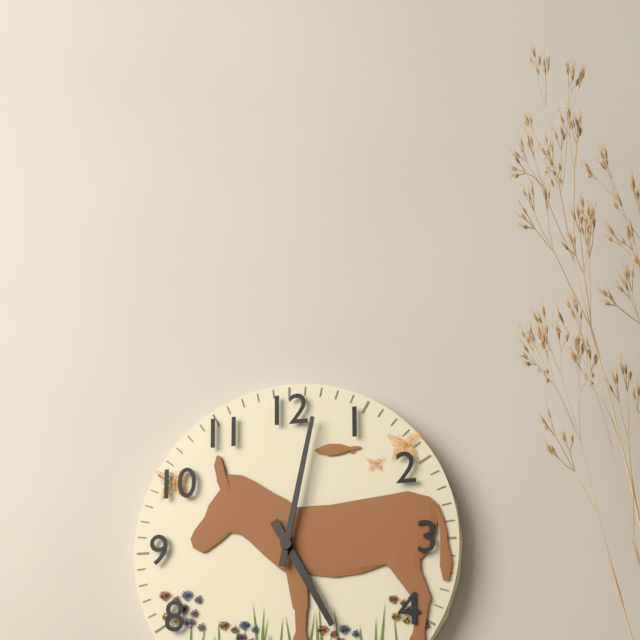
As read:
5,02
